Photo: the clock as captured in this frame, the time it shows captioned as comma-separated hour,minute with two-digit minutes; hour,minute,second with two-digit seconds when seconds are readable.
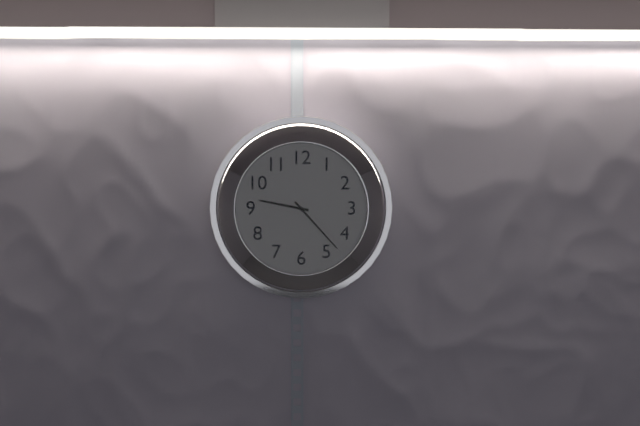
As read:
9,23
